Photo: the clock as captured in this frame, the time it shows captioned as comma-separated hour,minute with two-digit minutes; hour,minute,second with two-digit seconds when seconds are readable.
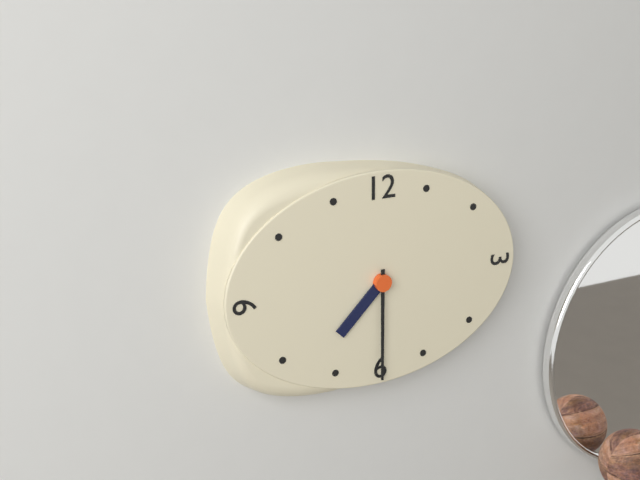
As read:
7,30
